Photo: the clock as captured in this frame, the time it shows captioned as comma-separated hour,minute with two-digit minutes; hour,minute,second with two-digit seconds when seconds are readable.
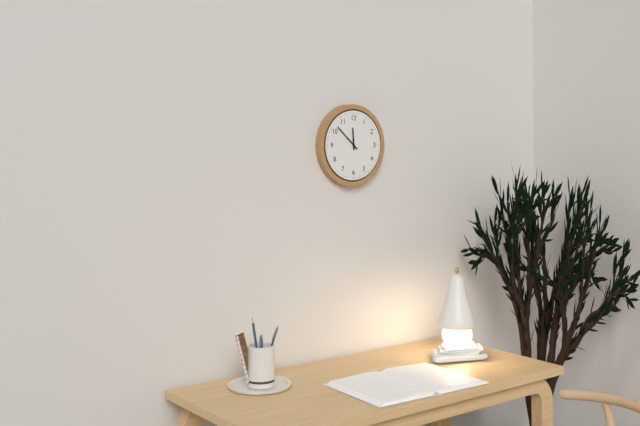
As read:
11,52
